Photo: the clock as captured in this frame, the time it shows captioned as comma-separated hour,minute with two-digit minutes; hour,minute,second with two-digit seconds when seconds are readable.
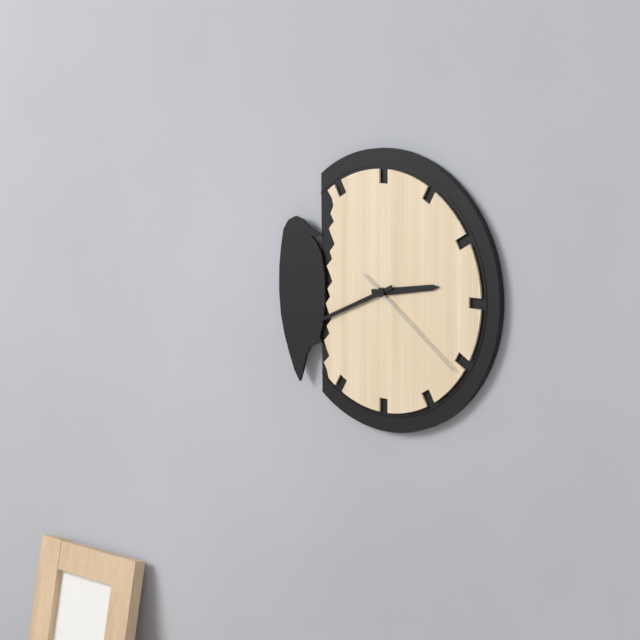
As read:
2,41,21
